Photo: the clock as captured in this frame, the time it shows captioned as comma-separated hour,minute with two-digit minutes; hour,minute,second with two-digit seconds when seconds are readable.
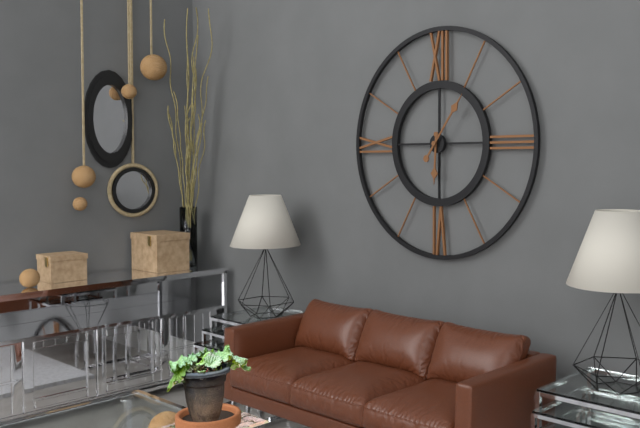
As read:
6,06
